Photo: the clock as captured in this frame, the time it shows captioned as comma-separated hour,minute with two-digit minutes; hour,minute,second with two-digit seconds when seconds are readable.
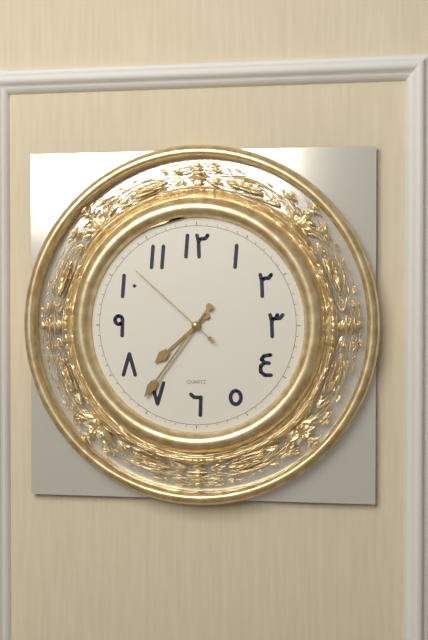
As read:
7,36,52
